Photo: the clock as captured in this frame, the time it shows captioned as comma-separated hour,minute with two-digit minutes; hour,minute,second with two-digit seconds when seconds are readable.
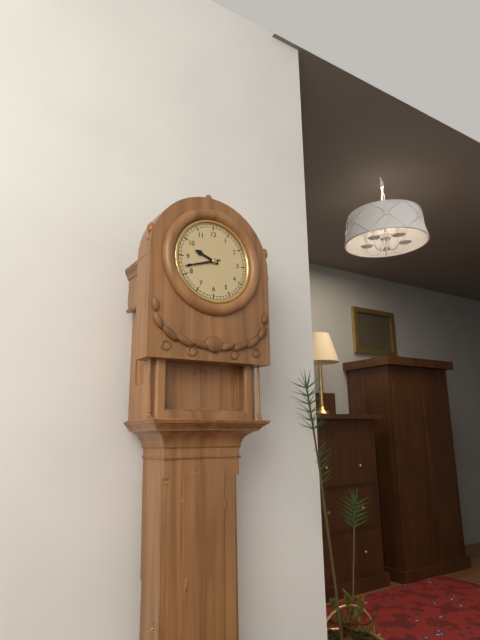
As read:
9,42
